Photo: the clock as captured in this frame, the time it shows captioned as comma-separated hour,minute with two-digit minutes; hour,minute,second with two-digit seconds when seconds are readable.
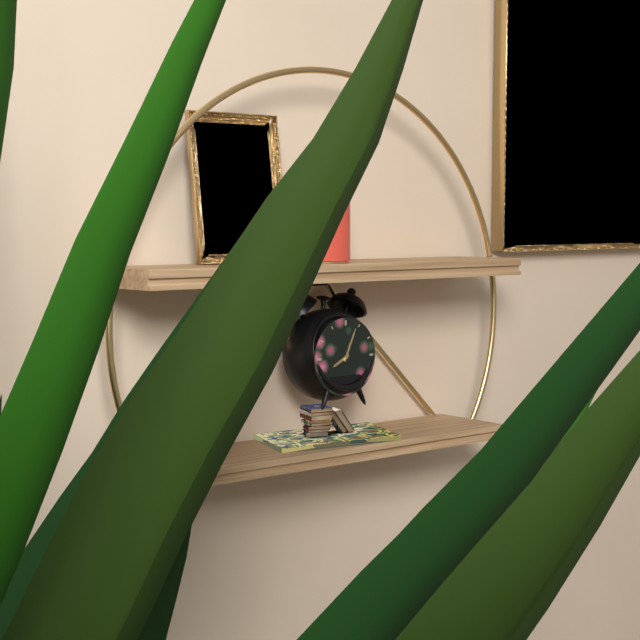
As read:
8,04
